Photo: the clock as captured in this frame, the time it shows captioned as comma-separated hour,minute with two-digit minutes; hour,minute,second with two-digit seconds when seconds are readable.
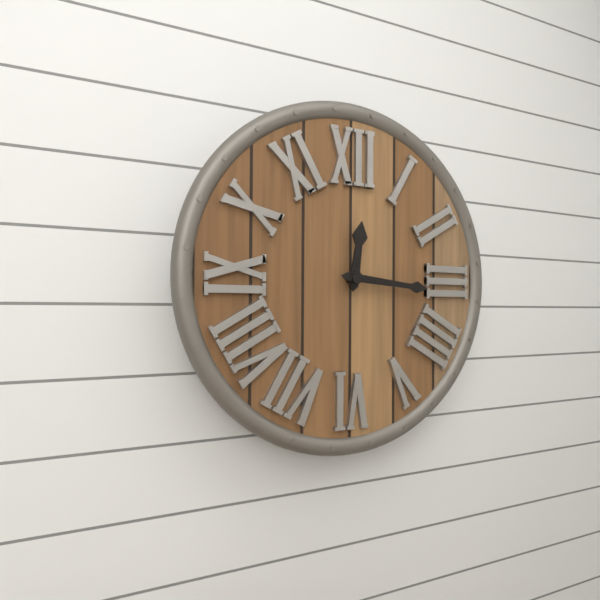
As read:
12,16
